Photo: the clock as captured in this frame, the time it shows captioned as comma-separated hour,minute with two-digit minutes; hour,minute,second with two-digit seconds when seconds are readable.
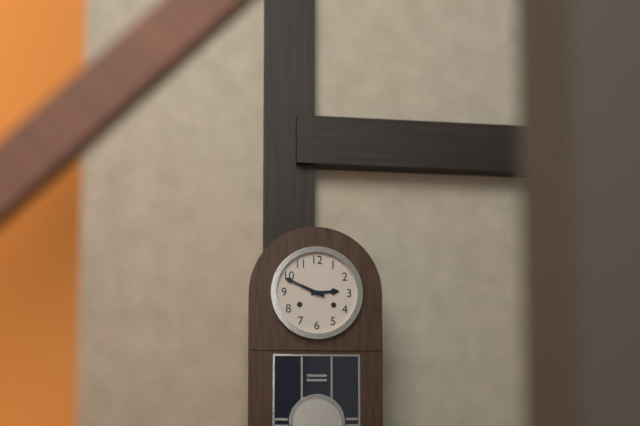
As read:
2,49
